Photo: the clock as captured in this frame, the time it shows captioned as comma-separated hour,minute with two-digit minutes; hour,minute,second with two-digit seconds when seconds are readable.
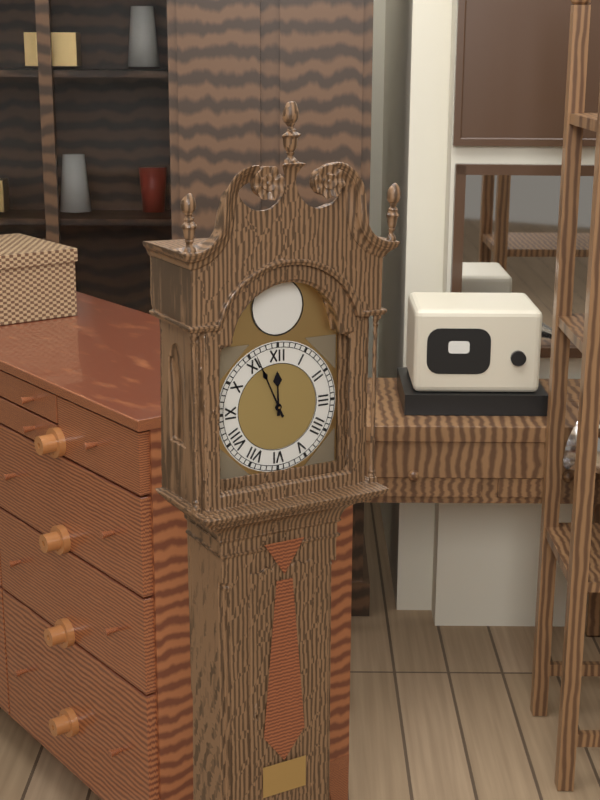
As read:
11,56
